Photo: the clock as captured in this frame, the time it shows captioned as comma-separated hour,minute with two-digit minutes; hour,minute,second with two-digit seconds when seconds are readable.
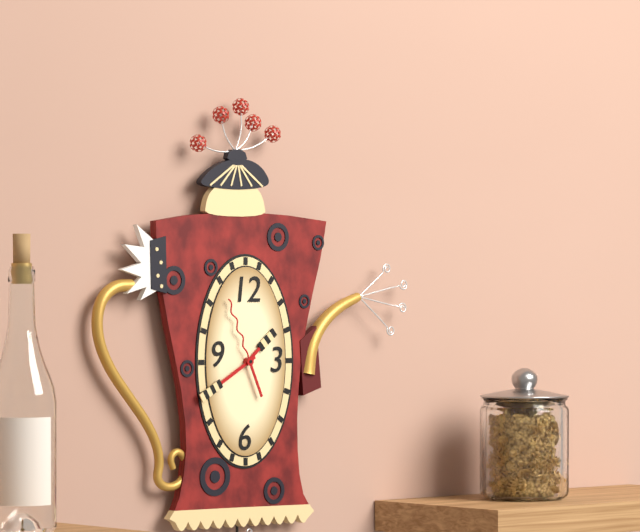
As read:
1,40,56
